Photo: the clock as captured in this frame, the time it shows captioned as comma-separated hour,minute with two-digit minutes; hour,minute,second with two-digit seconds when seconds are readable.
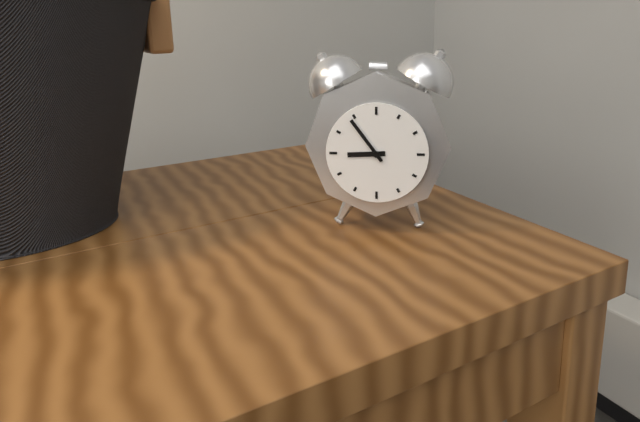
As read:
8,54
